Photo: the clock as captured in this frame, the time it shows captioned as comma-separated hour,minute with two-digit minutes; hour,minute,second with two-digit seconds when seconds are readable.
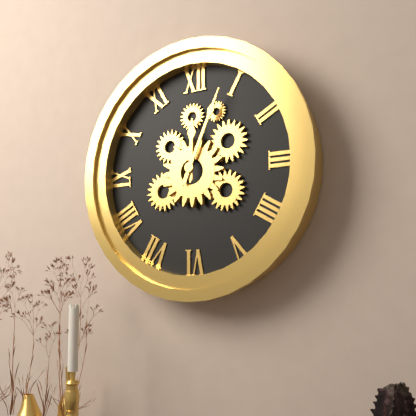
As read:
12,04
